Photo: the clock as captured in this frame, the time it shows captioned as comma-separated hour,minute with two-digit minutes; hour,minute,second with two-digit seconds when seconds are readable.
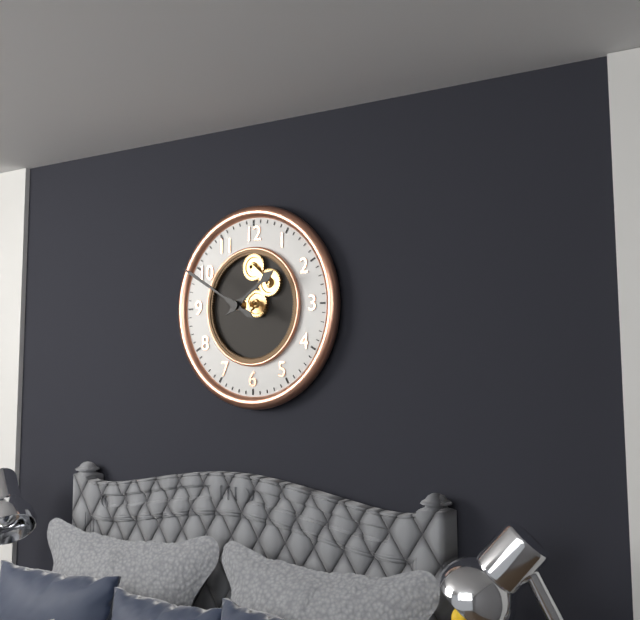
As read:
1,50
